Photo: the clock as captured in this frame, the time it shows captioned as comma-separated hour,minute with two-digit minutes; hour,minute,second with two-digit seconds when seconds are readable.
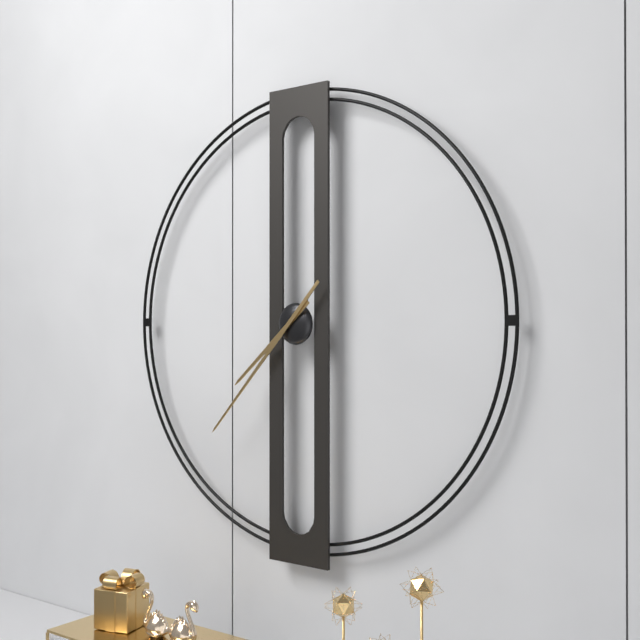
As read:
7,37
